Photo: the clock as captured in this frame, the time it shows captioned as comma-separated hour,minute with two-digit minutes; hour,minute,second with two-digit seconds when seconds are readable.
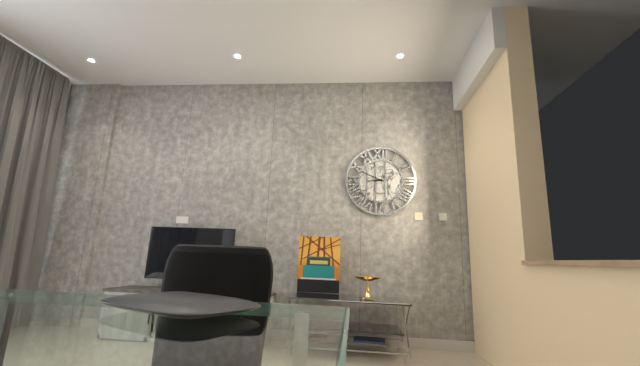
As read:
8,49
